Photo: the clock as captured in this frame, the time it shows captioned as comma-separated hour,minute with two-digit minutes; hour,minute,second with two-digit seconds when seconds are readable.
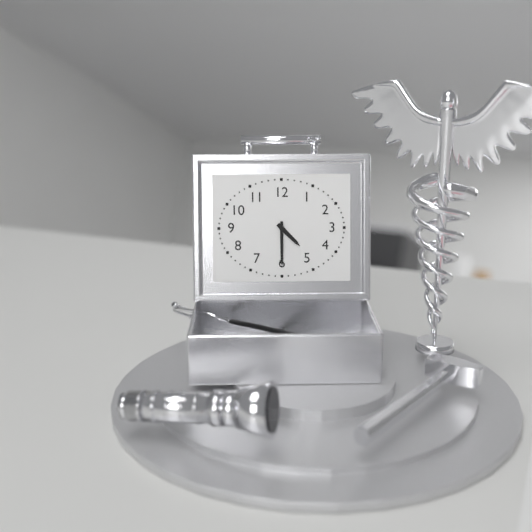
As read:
4,30
